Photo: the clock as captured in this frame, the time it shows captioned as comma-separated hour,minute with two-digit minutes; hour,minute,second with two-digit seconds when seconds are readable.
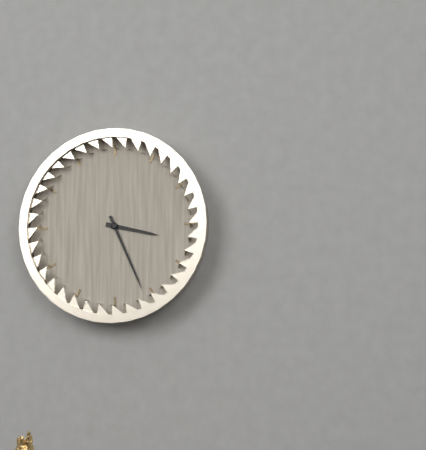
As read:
3,26
